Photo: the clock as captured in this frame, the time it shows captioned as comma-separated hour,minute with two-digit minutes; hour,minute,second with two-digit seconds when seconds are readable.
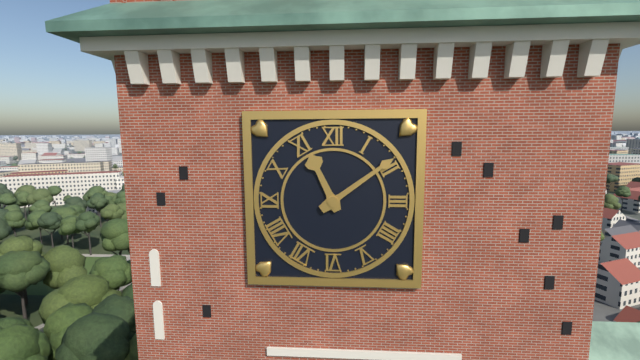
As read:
11,09
